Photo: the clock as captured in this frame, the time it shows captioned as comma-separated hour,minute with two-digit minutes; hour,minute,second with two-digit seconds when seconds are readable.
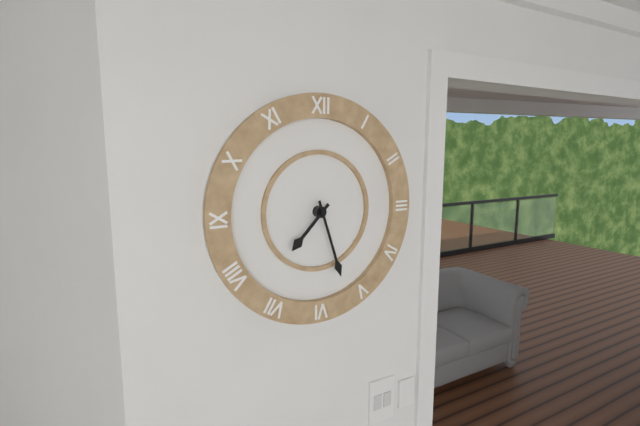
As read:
7,27
